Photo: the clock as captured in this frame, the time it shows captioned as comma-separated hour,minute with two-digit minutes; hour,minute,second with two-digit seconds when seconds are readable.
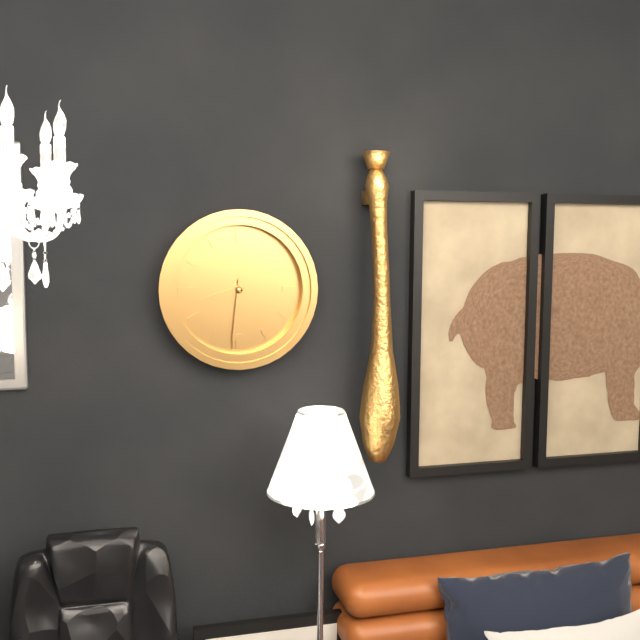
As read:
8,31
